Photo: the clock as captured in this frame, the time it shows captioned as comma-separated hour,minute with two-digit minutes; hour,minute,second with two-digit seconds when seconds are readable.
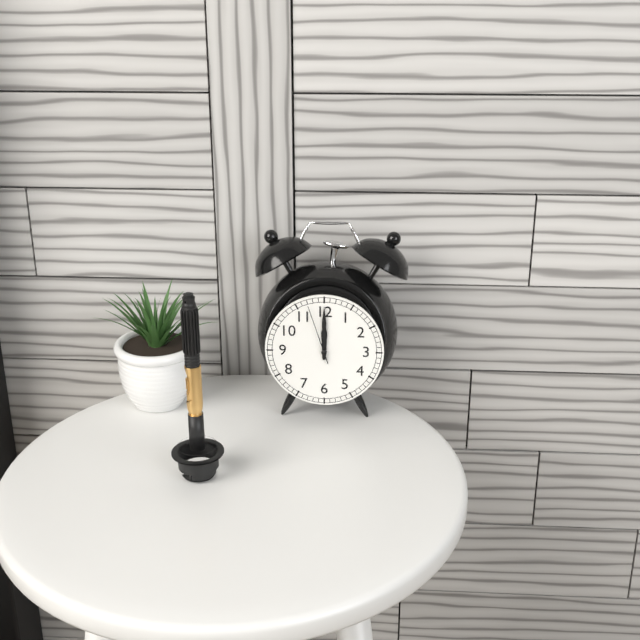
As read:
12,00,57
